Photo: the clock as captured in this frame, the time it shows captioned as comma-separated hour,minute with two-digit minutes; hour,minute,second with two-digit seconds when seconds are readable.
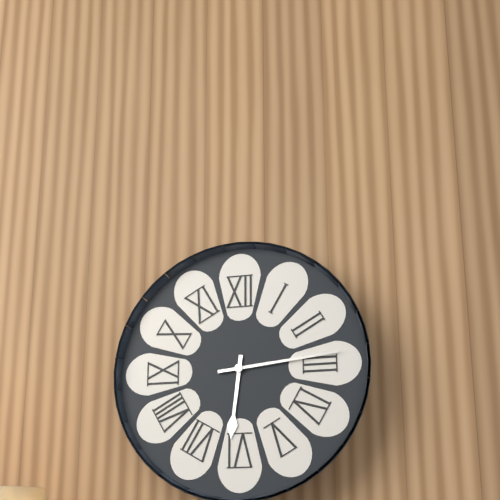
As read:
6,14
